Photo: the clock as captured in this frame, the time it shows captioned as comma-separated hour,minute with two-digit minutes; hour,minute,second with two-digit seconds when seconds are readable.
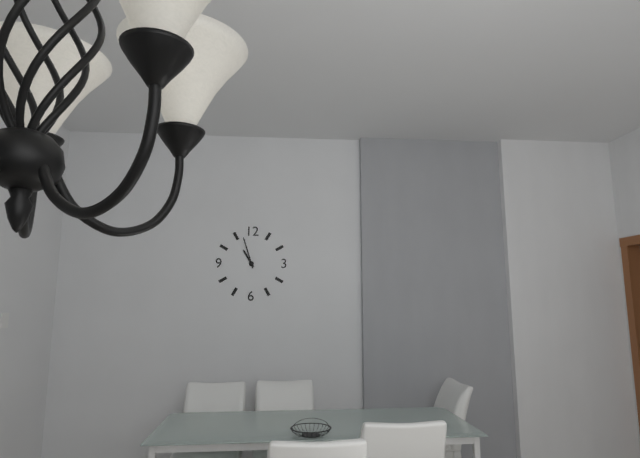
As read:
10,57
